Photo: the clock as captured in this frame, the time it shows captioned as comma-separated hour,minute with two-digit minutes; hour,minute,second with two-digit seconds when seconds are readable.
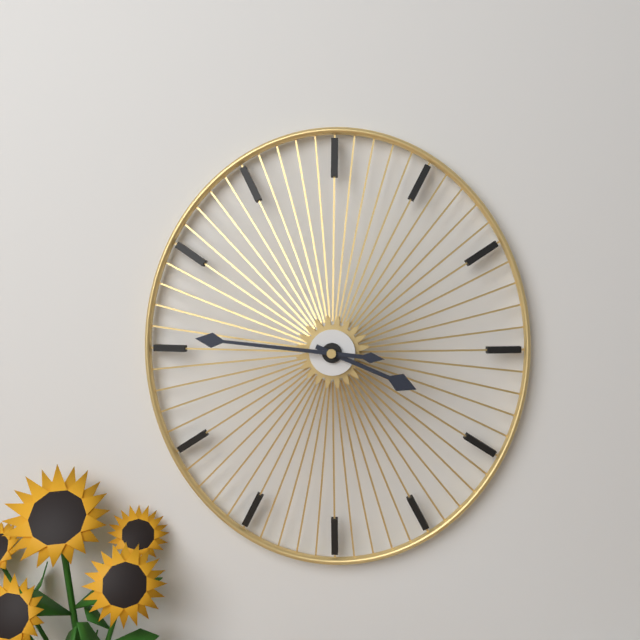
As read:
3,46
